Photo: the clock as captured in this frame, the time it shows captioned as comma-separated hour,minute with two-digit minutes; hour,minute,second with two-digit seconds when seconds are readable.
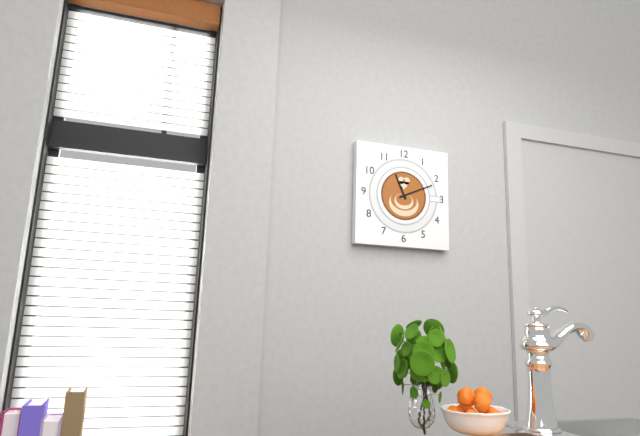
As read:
11,11
